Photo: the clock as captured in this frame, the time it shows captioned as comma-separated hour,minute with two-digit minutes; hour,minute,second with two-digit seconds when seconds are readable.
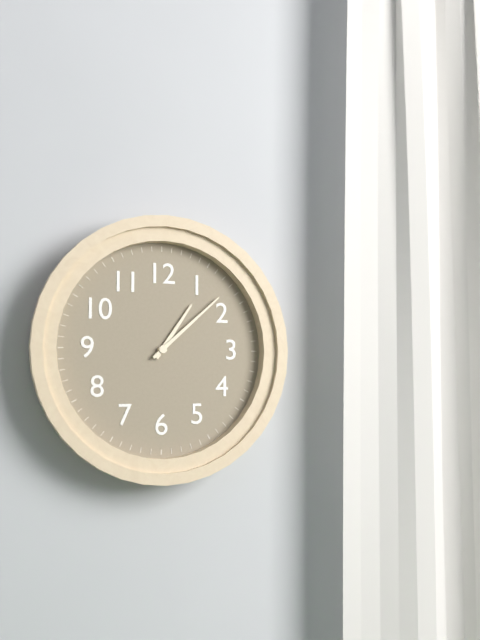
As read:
1,08
